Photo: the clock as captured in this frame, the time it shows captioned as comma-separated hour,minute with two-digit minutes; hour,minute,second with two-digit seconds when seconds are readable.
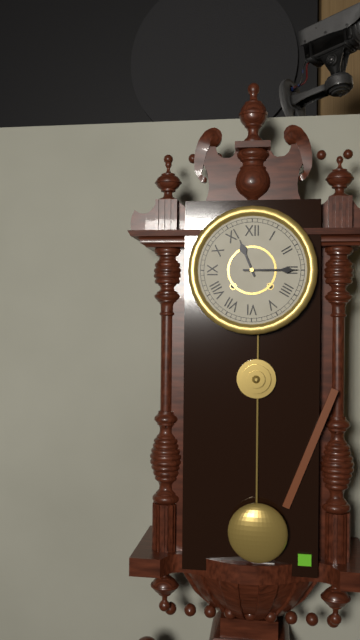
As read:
11,15
